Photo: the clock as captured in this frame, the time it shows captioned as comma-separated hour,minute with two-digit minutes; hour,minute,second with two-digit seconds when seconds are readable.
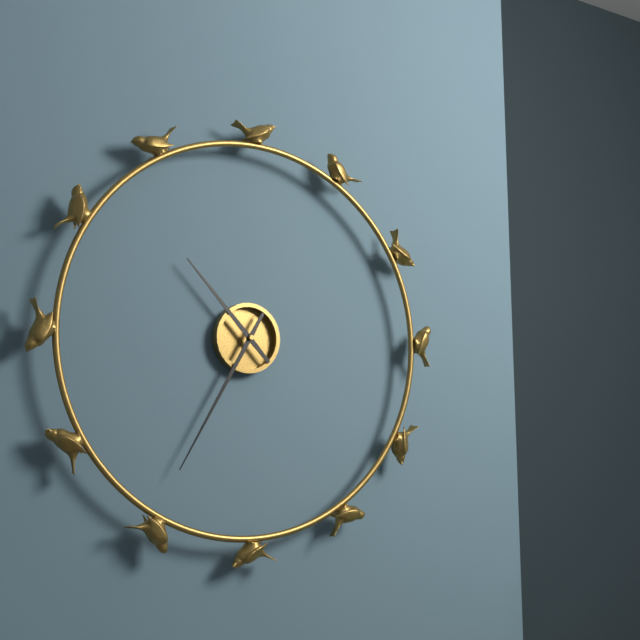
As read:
10,35
